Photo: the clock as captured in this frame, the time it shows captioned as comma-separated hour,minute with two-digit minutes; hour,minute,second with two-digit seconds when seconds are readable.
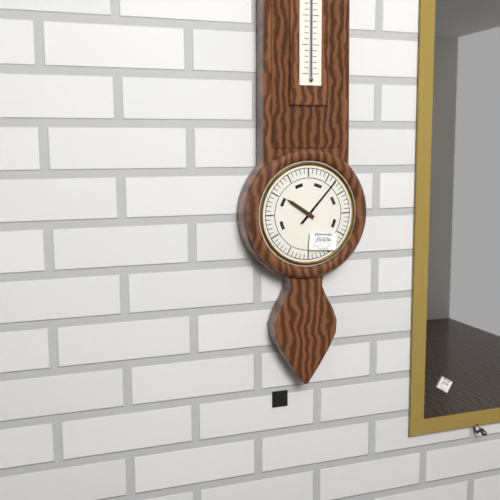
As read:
10,07
